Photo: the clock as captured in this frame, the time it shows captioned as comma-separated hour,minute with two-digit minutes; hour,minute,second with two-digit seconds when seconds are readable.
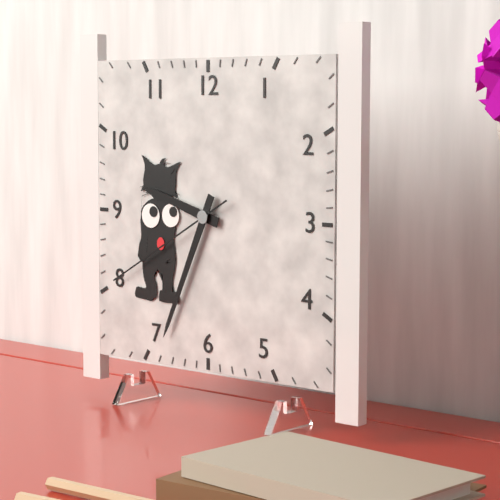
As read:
9,34,40
